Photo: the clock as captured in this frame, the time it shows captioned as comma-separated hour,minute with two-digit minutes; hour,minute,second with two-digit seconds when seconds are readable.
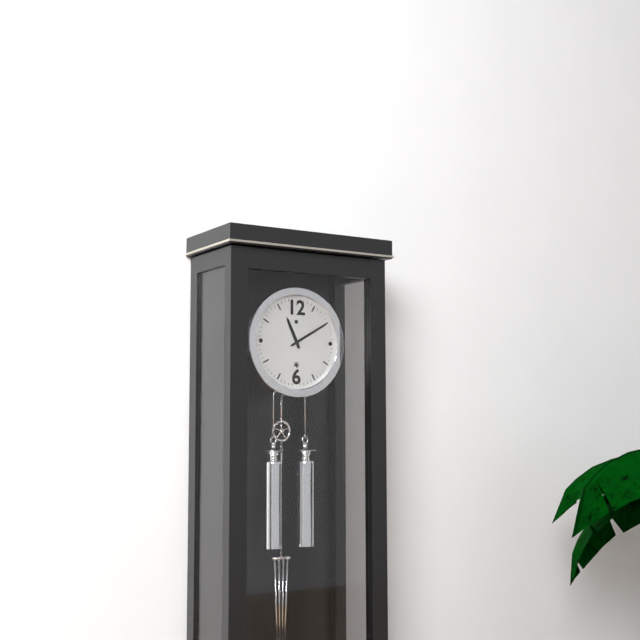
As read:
11,10
